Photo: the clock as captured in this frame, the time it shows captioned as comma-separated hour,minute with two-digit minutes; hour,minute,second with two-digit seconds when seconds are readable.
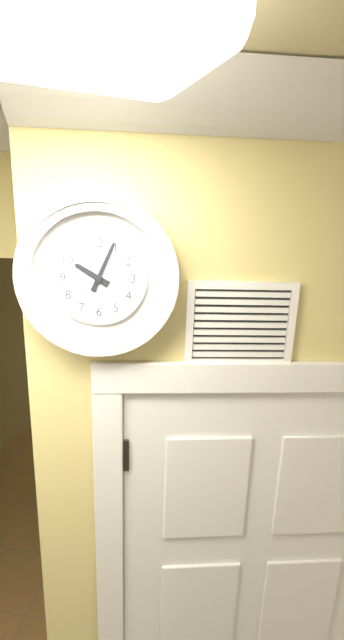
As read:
10,04
